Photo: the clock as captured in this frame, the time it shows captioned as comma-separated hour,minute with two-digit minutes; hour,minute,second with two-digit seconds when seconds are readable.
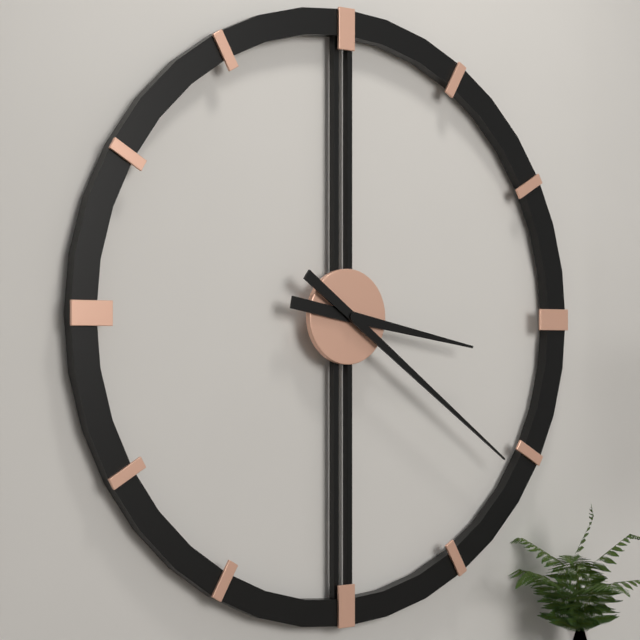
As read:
3,21
